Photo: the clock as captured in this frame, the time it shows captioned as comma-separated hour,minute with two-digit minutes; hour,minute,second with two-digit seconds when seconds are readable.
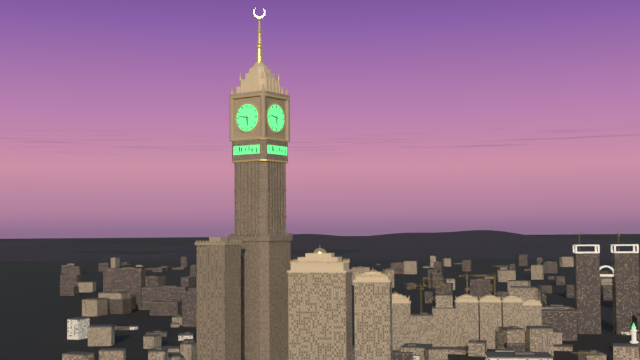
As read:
5,47
